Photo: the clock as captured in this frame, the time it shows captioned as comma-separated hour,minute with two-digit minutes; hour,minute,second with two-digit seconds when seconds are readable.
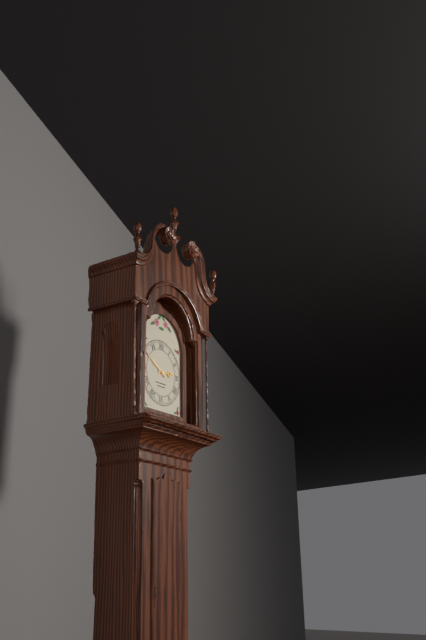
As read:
2,50
